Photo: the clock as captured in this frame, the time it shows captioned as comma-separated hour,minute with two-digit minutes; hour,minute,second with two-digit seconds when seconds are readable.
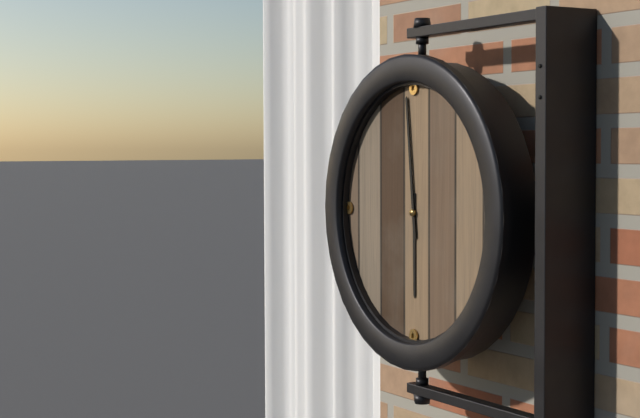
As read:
5,59
